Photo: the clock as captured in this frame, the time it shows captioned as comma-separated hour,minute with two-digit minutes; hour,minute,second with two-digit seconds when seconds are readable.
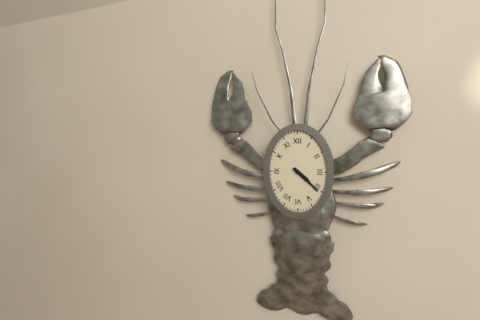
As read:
4,22
